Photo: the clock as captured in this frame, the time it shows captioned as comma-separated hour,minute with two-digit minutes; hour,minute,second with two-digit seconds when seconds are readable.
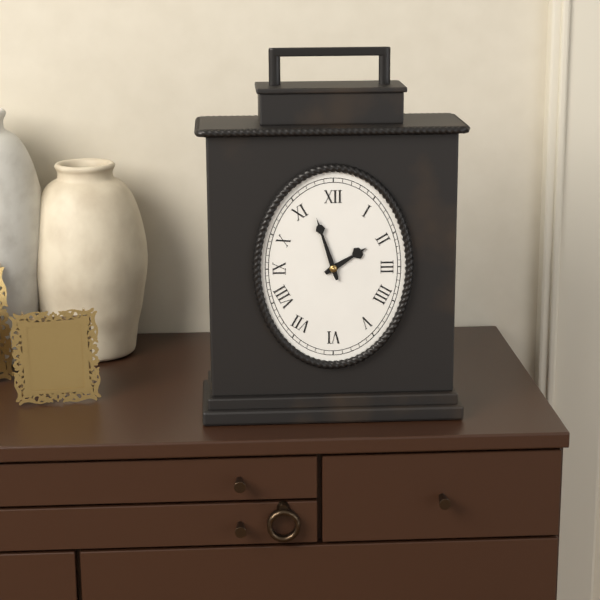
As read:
1,57
